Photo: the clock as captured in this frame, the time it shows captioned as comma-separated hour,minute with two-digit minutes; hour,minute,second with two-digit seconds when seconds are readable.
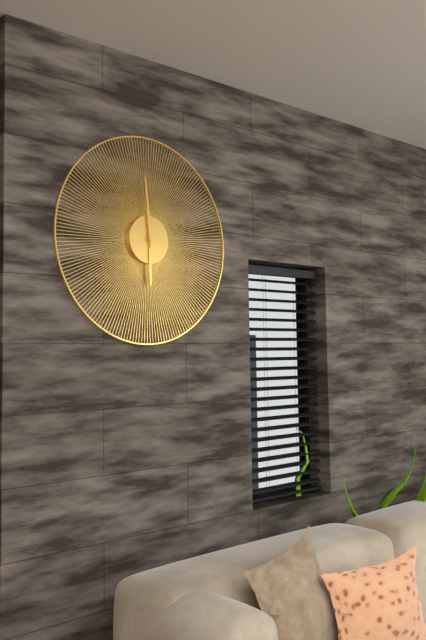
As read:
5,59
